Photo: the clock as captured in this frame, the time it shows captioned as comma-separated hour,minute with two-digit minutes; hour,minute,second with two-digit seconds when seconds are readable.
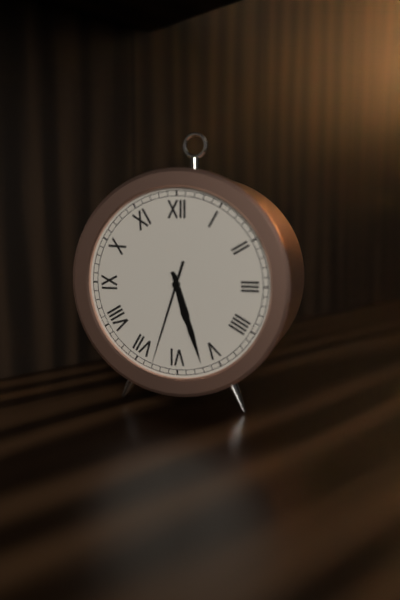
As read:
5,27,33
